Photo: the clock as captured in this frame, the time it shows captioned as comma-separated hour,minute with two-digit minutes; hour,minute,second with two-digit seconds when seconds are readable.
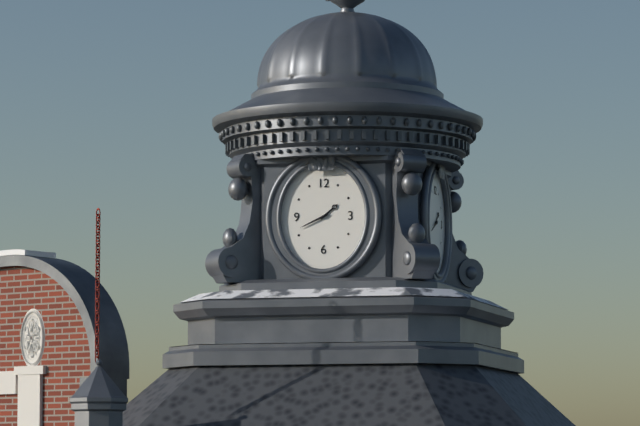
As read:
1,41
